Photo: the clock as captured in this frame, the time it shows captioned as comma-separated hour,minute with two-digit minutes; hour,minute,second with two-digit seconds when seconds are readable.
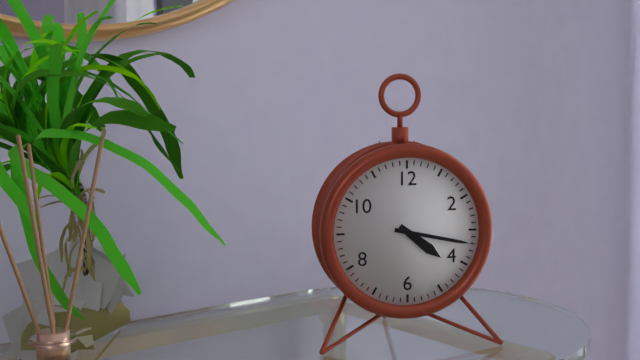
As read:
4,17
